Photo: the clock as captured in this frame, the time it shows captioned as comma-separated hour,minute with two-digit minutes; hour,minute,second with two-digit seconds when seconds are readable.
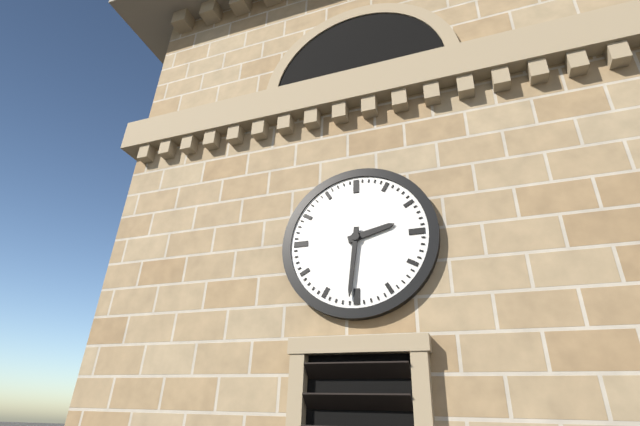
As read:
2,31
